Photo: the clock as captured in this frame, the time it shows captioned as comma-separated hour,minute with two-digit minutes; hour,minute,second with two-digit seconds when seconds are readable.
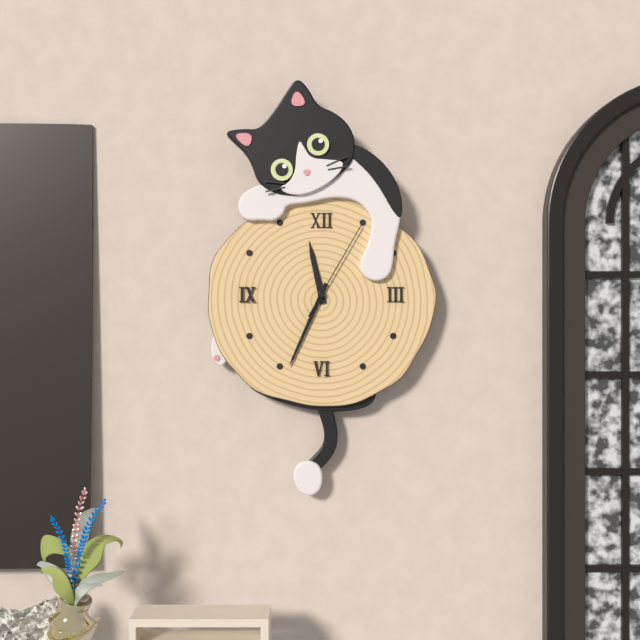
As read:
11,34,05
